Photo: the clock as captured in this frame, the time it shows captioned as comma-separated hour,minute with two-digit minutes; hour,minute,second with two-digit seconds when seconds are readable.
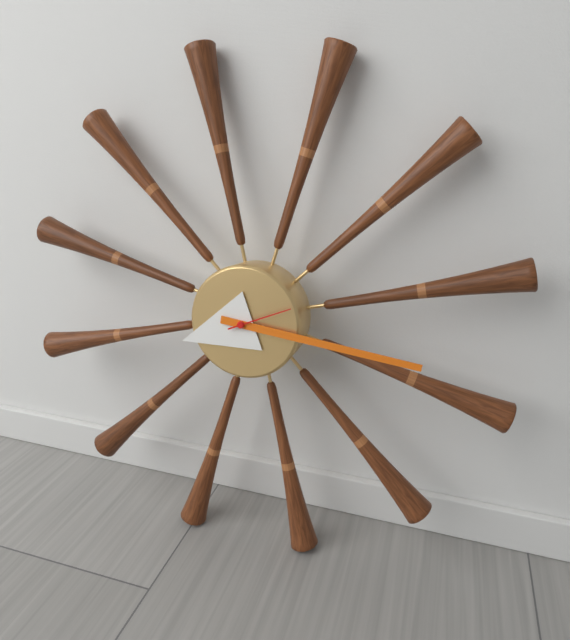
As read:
8,16
